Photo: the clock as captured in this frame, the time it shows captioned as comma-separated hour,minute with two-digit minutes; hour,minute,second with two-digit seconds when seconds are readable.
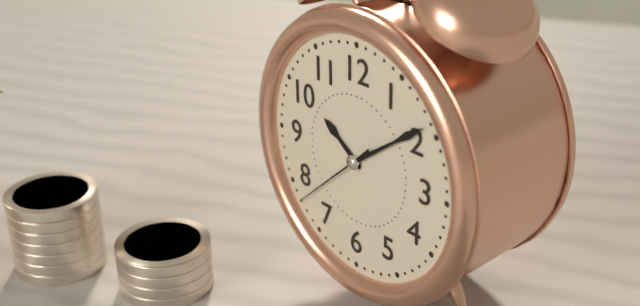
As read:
10,09,38
